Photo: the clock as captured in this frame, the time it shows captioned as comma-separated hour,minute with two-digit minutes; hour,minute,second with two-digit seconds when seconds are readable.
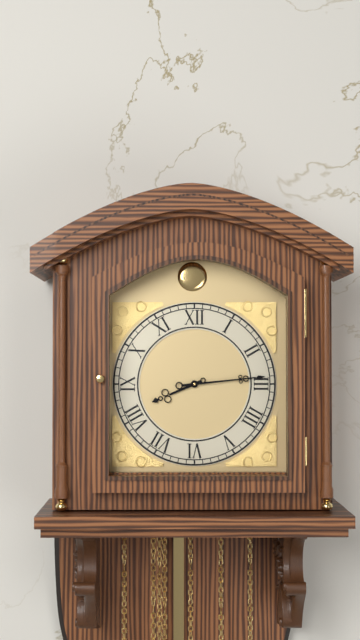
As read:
8,14
